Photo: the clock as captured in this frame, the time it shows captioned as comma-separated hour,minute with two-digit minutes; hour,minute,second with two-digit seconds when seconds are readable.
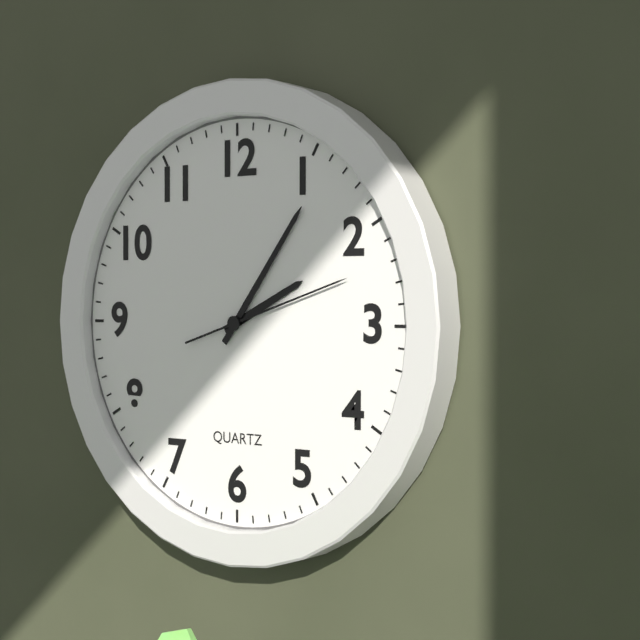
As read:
2,06,12
